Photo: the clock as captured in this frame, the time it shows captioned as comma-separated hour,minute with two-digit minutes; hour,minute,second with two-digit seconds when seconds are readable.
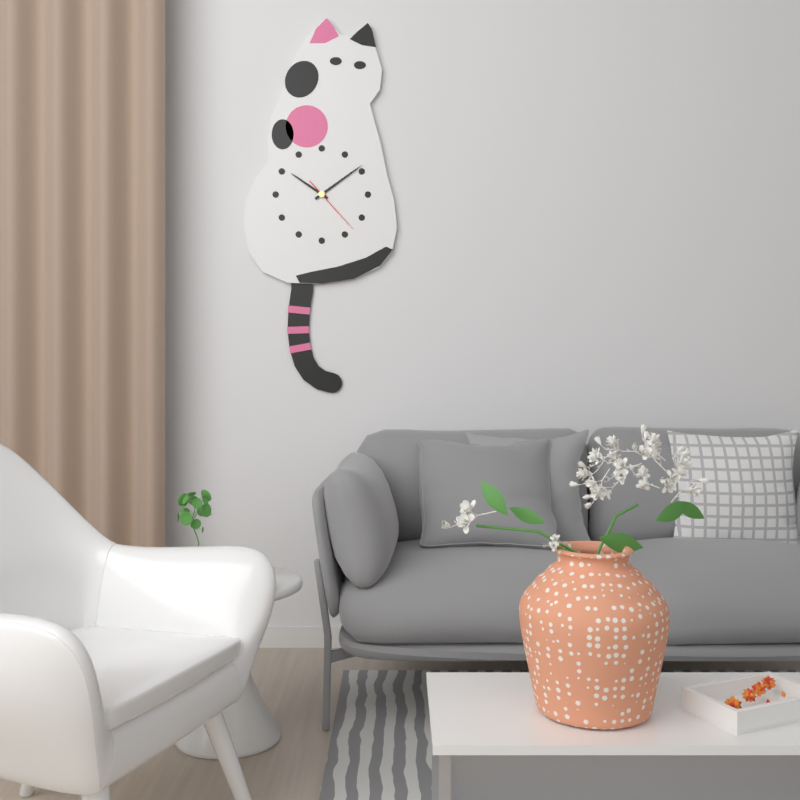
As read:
10,09,23
